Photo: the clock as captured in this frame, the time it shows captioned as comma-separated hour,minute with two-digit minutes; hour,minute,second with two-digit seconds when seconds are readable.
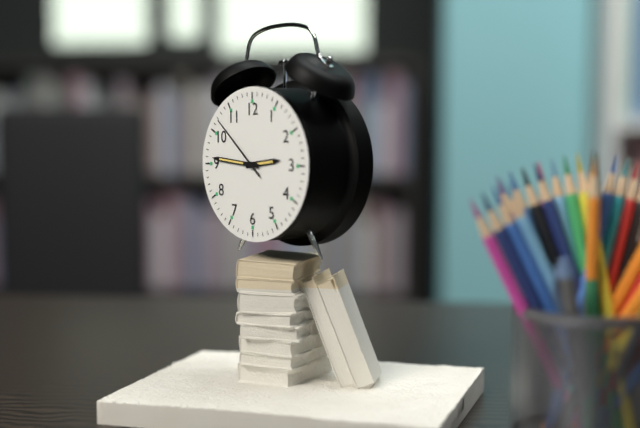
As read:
2,46,52
